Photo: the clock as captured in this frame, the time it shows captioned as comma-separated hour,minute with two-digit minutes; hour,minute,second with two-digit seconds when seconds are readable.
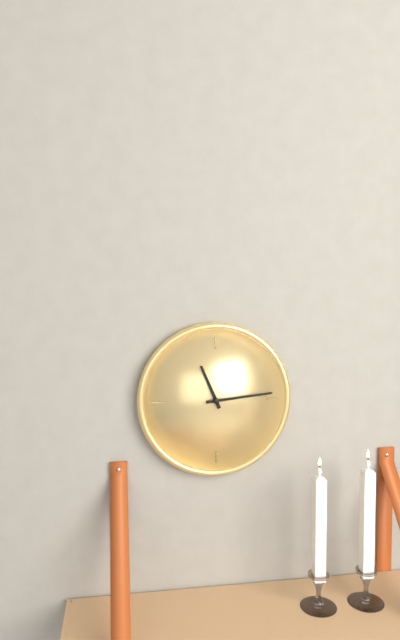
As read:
11,14
